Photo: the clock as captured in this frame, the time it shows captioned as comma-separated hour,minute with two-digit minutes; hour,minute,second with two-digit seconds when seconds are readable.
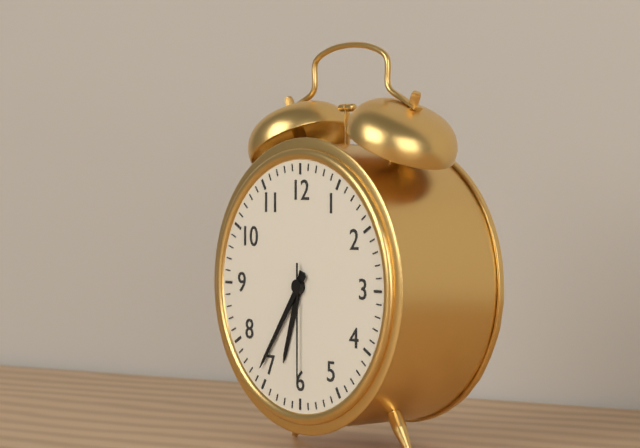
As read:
6,36,30
